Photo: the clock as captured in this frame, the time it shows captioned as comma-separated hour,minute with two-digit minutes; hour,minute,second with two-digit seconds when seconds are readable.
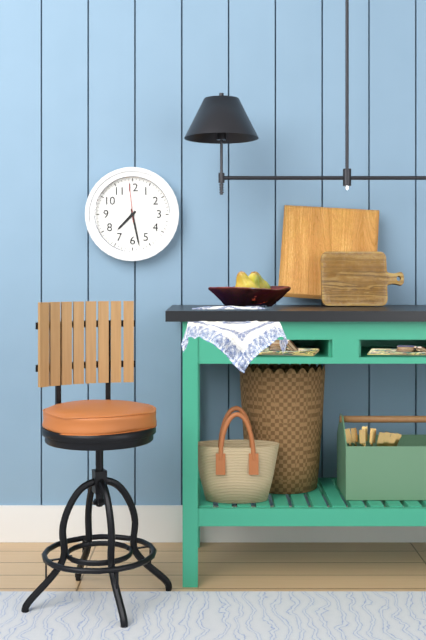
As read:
7,28
